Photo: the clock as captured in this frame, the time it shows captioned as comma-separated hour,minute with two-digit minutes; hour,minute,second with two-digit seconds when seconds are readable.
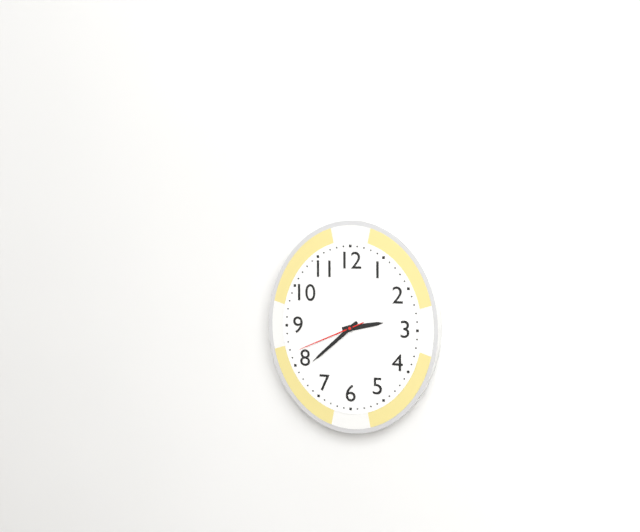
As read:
2,38,41
